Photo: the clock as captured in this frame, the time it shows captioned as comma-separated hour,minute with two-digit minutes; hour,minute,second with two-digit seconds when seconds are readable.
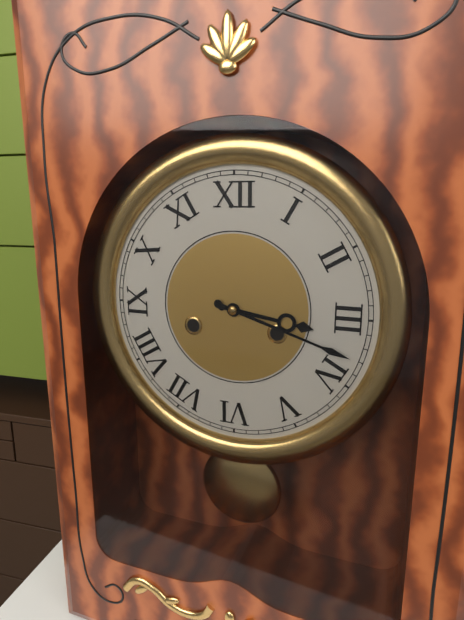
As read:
3,18
